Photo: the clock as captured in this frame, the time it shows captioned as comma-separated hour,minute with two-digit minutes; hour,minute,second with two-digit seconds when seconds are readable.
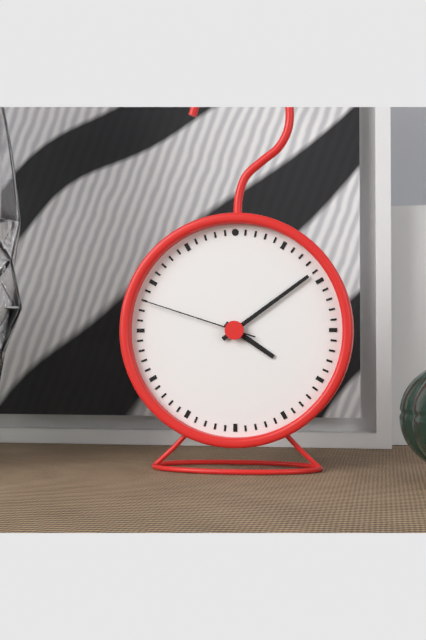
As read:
4,09,48
